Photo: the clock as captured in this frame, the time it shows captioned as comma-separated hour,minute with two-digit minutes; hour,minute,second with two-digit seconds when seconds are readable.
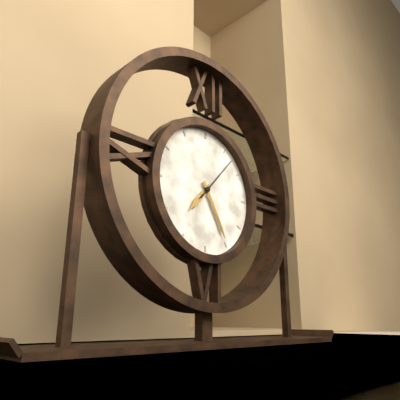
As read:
7,25
